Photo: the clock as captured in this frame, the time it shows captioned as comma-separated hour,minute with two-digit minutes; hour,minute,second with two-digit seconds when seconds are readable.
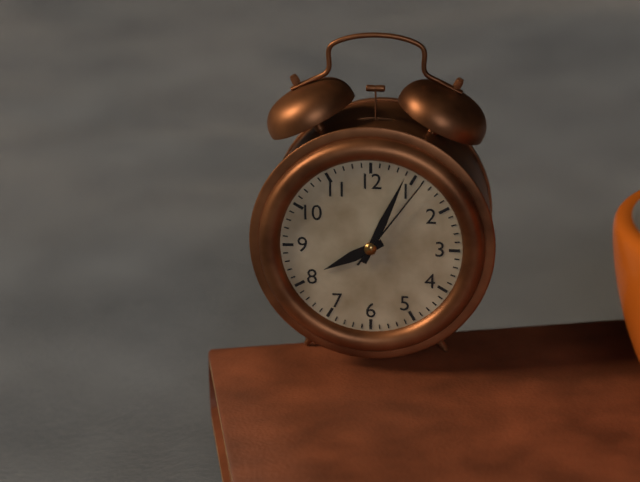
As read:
8,04,06
